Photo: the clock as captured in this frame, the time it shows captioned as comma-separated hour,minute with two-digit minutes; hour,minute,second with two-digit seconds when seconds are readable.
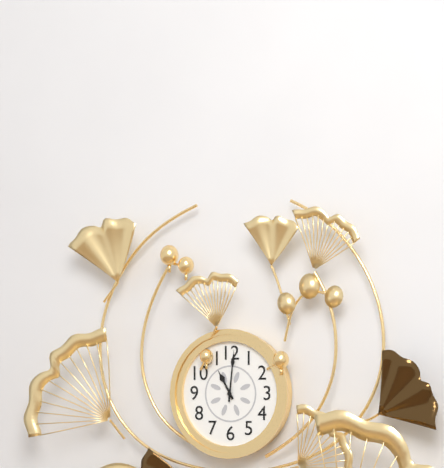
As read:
11,01
